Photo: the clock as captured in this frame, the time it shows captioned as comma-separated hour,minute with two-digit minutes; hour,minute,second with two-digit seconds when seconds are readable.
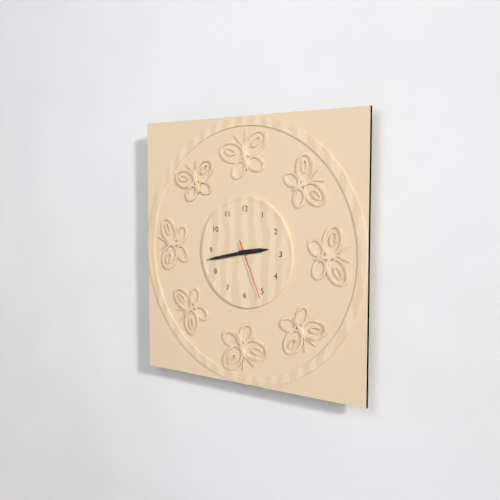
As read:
2,43,26
